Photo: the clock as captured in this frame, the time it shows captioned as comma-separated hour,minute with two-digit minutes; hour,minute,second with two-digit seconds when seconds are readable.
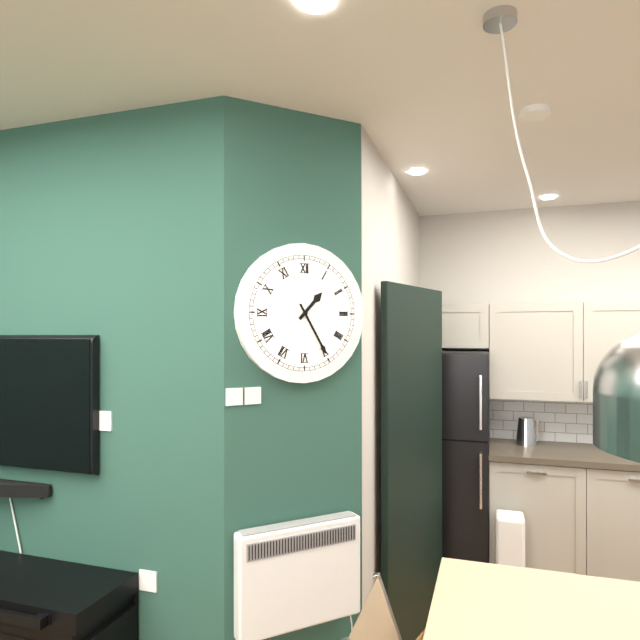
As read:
1,25
